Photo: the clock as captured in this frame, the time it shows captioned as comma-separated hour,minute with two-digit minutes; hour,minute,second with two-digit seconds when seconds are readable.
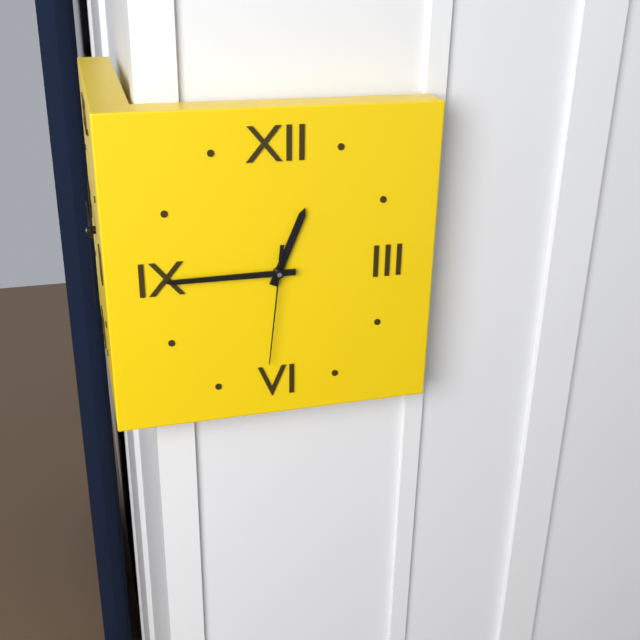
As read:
12,45,31
